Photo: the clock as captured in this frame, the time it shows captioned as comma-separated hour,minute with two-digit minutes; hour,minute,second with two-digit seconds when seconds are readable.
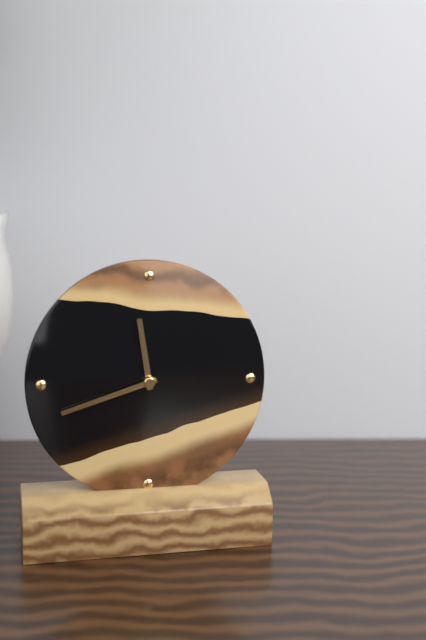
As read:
11,42
